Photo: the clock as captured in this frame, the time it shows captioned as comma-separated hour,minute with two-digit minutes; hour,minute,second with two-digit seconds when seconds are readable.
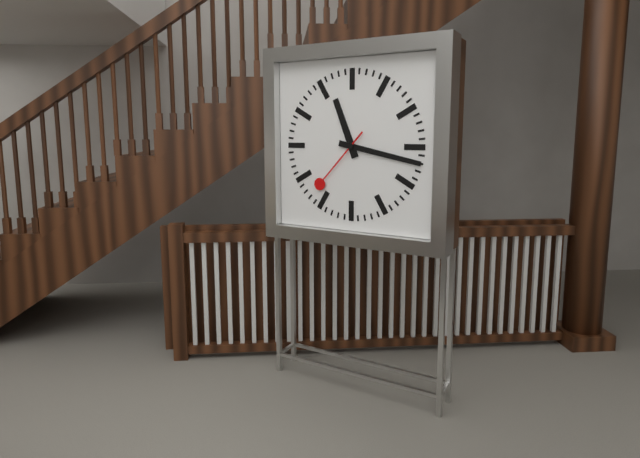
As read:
11,17,37
